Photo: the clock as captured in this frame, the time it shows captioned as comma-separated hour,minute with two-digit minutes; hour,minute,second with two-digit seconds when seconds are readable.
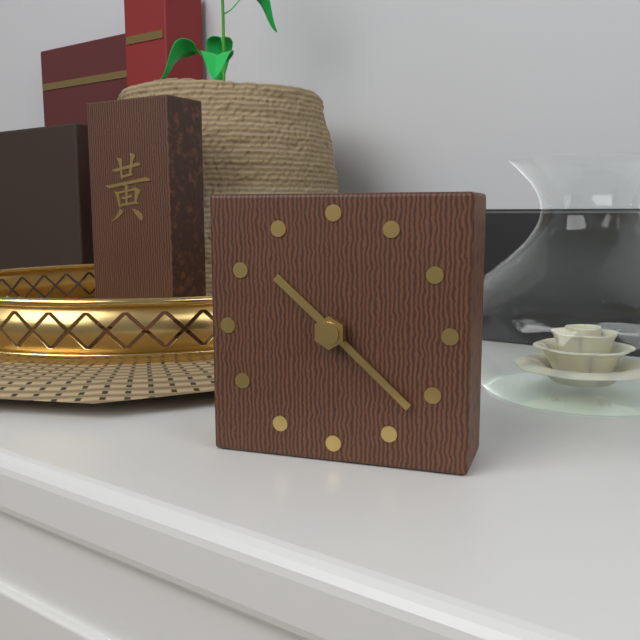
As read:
10,22
